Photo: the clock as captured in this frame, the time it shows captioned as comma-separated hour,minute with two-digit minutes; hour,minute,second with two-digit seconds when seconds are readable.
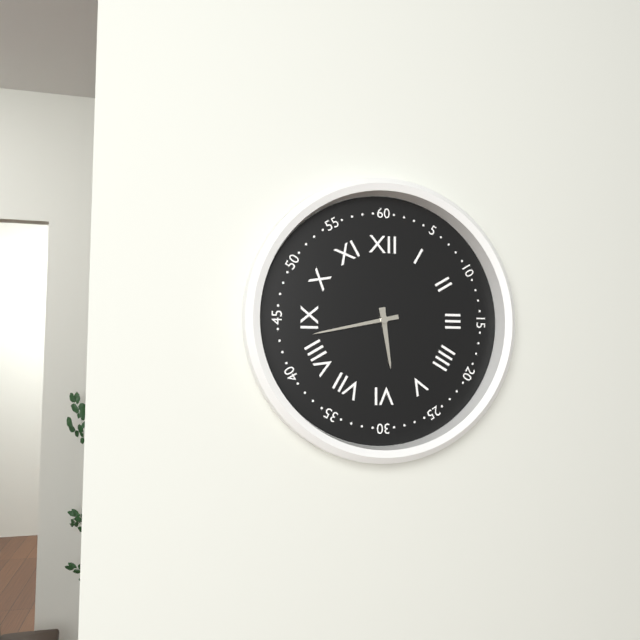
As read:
5,43
